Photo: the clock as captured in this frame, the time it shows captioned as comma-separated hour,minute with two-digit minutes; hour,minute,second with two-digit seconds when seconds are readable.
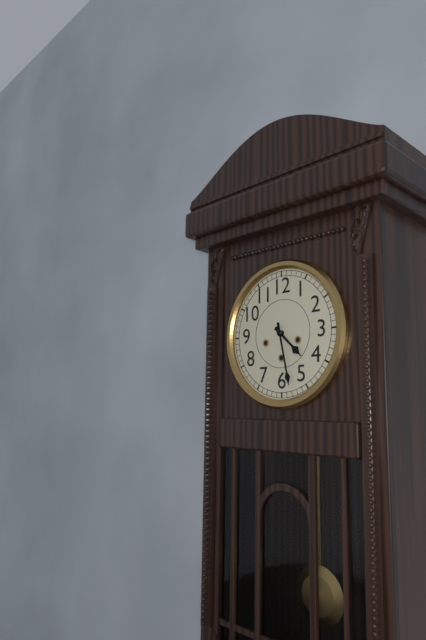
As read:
4,28
